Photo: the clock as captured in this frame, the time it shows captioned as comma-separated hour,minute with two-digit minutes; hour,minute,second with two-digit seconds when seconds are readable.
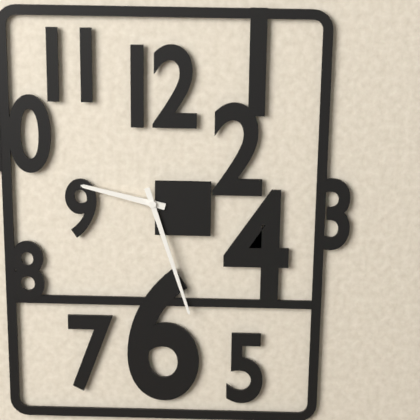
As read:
9,27
